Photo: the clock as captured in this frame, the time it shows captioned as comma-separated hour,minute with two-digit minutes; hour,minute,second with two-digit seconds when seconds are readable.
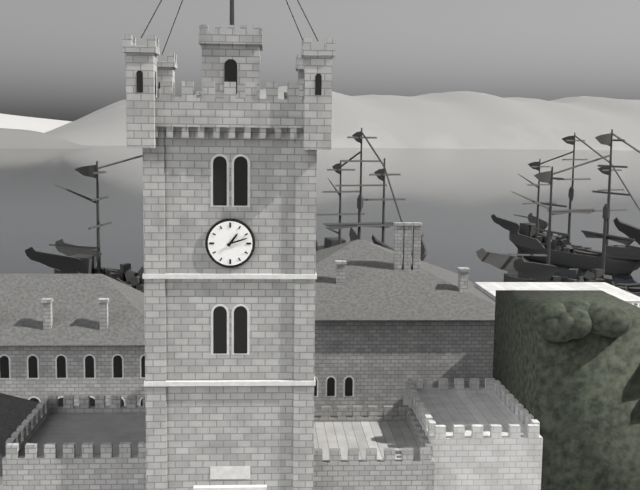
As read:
1,12
